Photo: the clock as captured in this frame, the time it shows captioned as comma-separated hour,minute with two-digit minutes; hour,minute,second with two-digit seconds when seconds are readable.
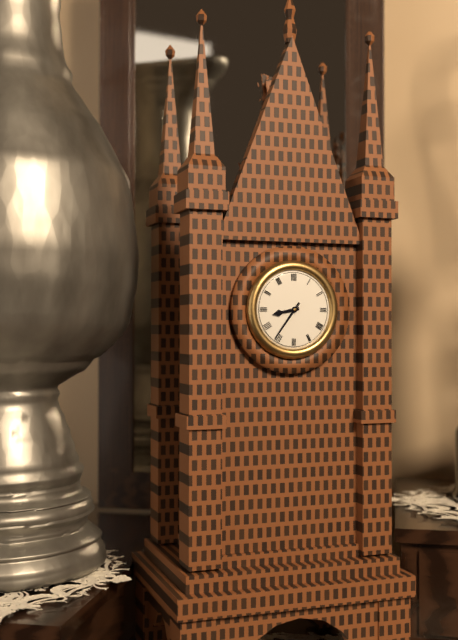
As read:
8,36
